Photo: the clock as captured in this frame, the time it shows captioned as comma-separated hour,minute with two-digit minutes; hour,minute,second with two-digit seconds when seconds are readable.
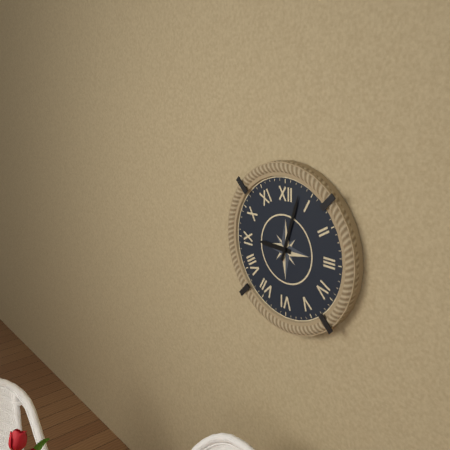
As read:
9,03
